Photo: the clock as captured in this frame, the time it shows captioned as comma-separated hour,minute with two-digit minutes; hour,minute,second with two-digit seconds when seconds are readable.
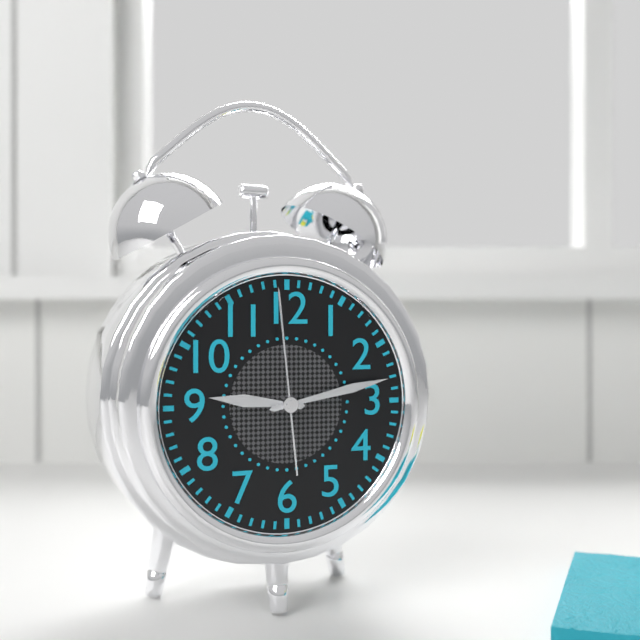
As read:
9,13,59
